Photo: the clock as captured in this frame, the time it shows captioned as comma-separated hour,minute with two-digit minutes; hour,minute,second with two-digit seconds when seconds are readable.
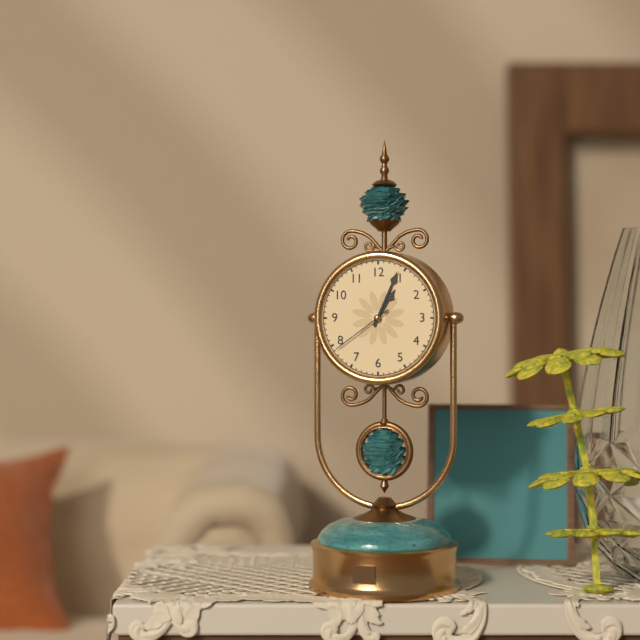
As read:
1,04,39
